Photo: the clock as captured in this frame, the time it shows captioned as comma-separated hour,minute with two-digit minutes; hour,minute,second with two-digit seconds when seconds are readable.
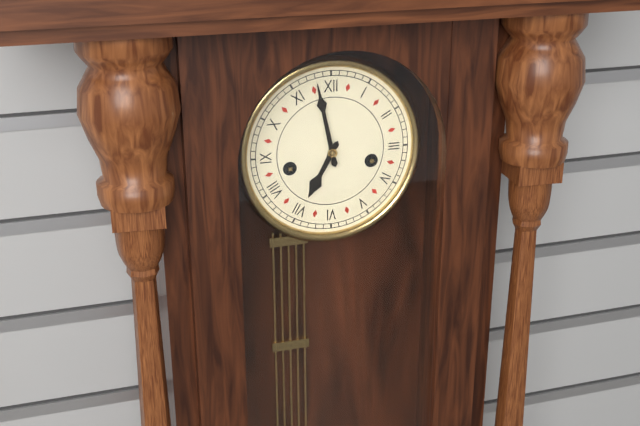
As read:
6,58
